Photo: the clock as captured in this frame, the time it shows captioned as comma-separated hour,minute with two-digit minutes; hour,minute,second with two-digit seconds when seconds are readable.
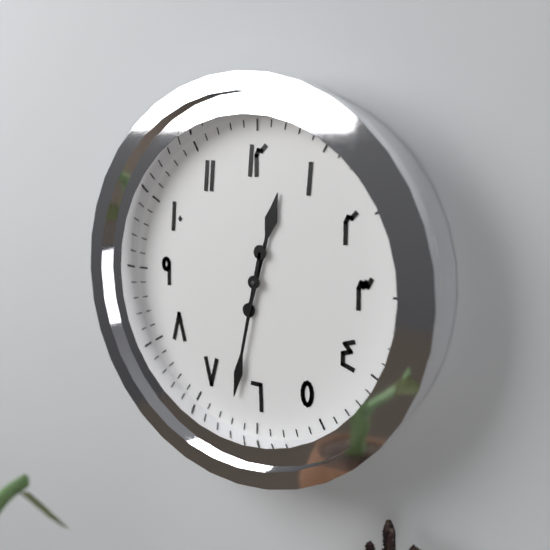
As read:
12,32
